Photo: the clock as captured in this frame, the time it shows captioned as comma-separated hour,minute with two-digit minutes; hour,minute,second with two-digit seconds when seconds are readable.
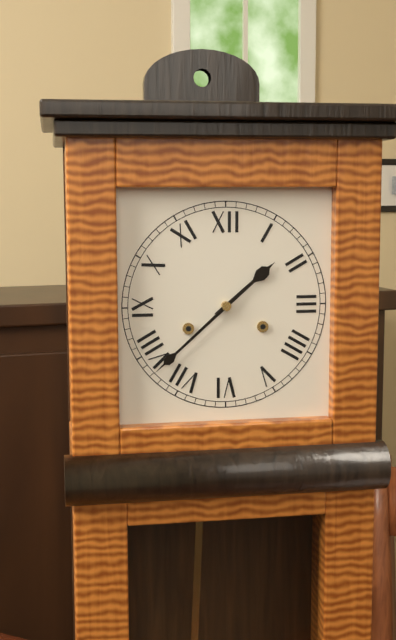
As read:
1,38
